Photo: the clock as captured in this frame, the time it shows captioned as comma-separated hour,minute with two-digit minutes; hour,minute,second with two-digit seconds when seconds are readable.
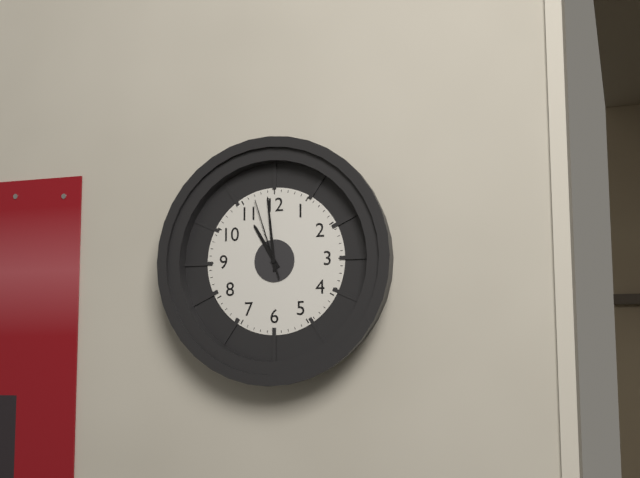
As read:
10,59,57
